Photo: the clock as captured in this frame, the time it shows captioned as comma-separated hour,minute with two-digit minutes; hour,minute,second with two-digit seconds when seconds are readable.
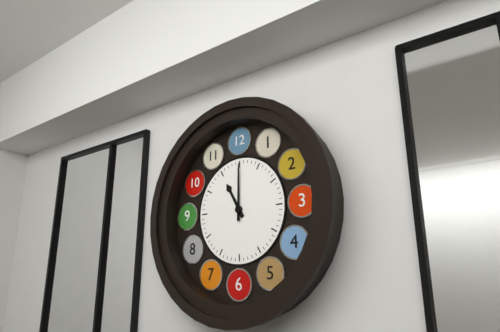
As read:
11,00
